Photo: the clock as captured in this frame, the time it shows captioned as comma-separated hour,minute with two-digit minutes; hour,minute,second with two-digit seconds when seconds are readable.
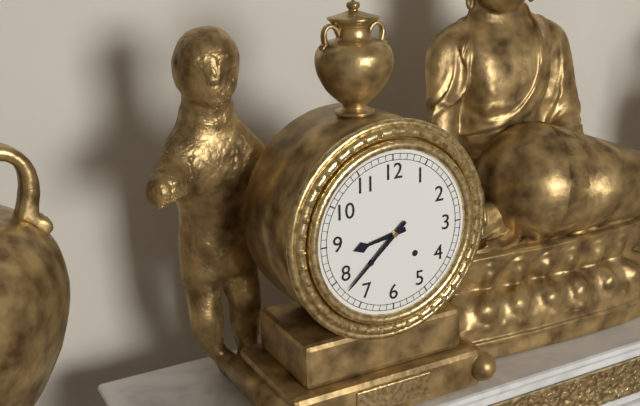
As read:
8,38
